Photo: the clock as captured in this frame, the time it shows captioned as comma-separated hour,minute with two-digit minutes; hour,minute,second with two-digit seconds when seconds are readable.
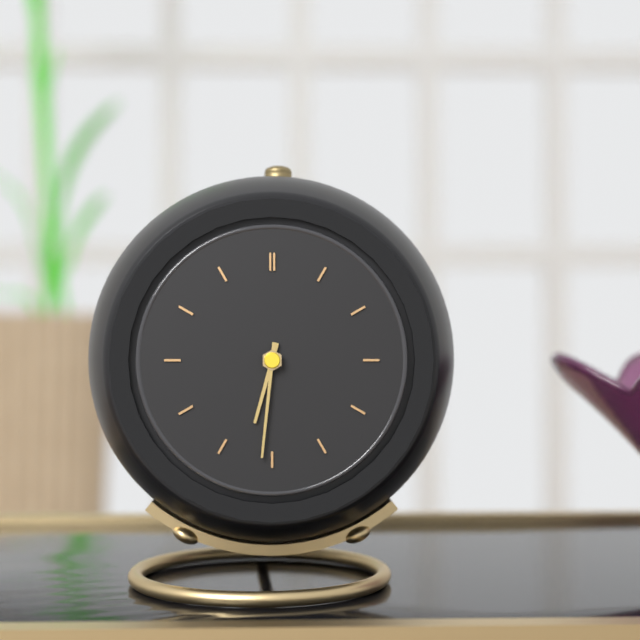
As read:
6,31
